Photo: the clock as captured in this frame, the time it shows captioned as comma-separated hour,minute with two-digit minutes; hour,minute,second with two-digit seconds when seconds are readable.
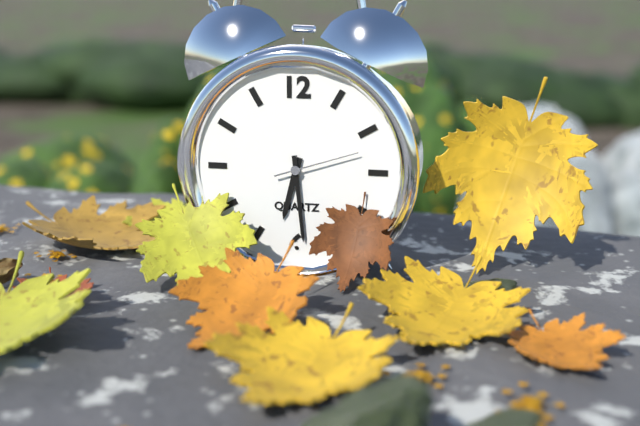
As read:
6,29,12
